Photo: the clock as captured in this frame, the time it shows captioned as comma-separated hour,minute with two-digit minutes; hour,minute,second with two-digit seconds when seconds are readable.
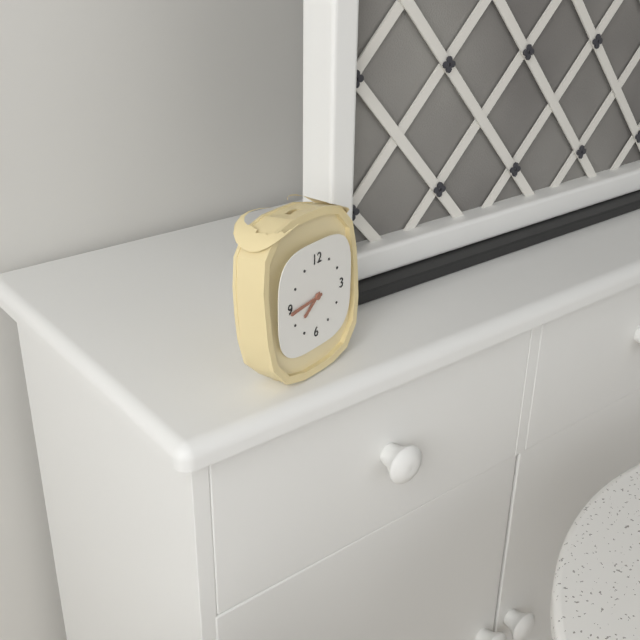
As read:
7,44
